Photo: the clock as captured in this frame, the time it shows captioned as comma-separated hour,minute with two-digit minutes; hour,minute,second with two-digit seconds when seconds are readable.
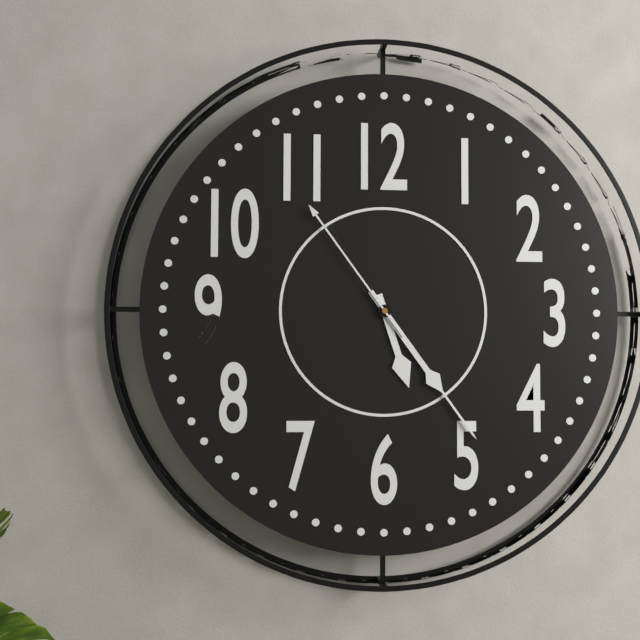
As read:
5,24,54
